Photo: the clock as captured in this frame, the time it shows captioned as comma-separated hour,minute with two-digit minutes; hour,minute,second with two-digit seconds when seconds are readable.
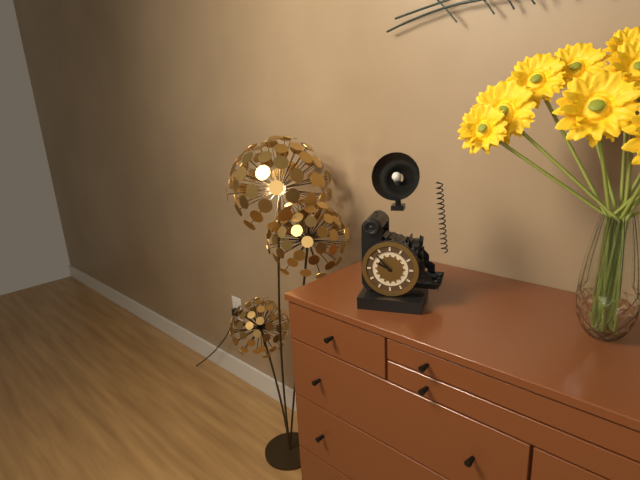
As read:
9,53
